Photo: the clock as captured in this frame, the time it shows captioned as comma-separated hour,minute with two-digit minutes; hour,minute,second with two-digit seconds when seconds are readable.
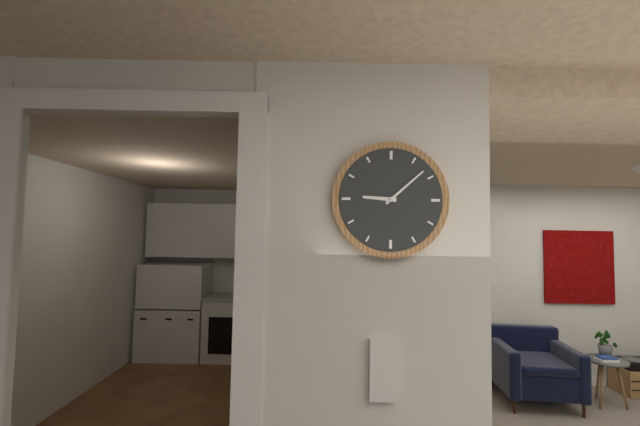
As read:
9,08
